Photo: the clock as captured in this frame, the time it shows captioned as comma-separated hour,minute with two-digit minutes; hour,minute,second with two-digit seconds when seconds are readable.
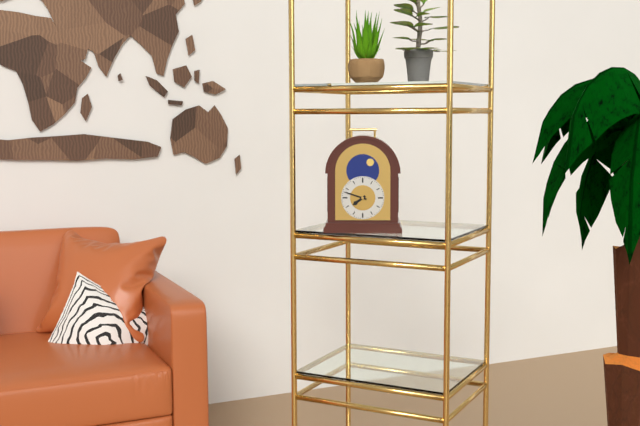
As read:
7,48
